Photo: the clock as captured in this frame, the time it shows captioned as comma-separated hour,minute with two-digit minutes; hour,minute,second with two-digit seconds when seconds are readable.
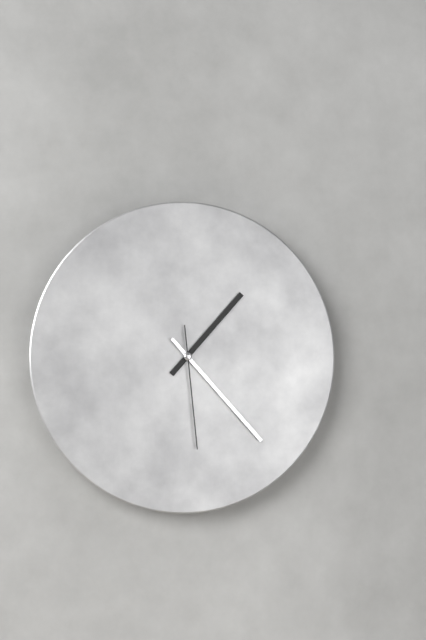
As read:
1,23,29
